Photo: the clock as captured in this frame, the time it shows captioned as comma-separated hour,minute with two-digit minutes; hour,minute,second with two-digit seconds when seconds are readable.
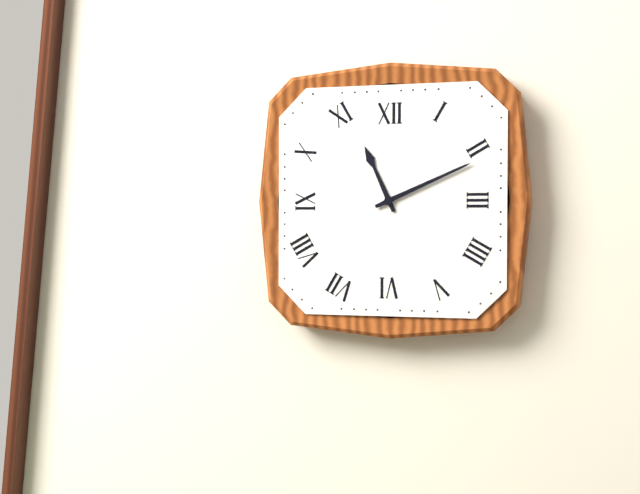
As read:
11,11
